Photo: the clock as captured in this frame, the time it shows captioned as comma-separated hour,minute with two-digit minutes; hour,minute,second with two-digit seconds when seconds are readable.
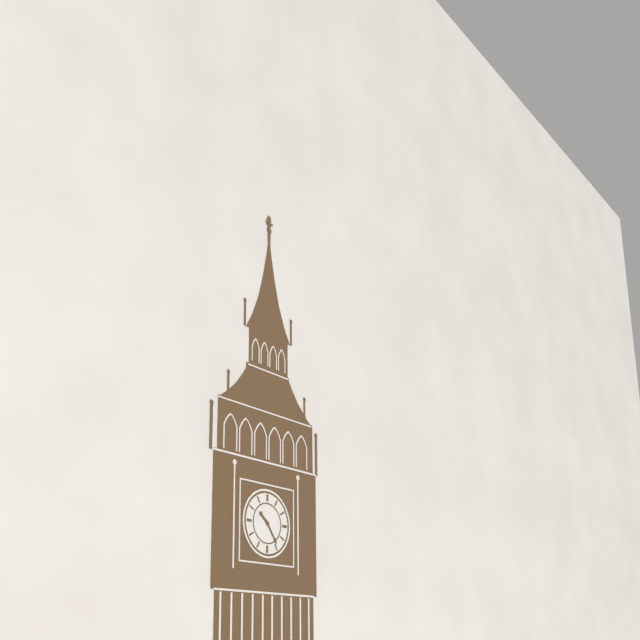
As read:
10,24
